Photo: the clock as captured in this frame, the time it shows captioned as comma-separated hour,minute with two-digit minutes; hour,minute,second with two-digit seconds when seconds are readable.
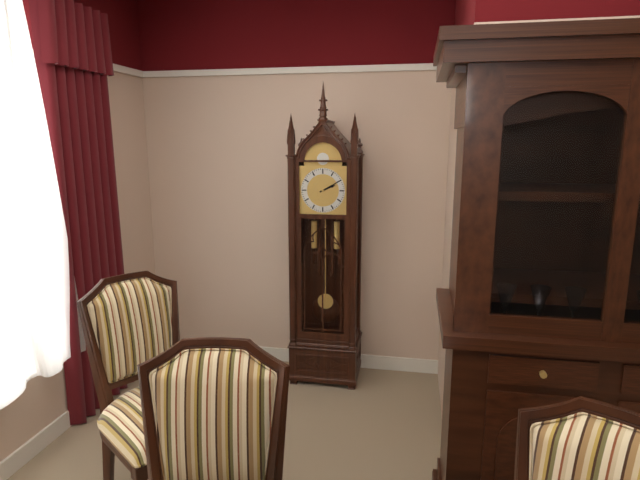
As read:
2,10
